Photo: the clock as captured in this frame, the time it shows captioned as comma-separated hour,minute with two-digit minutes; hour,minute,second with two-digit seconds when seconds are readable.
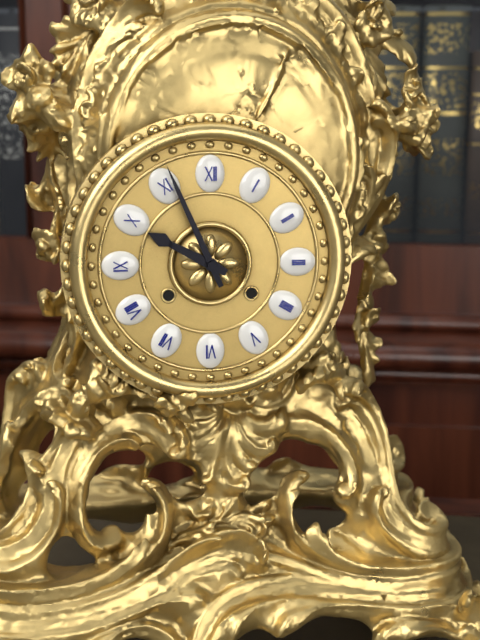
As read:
9,56
